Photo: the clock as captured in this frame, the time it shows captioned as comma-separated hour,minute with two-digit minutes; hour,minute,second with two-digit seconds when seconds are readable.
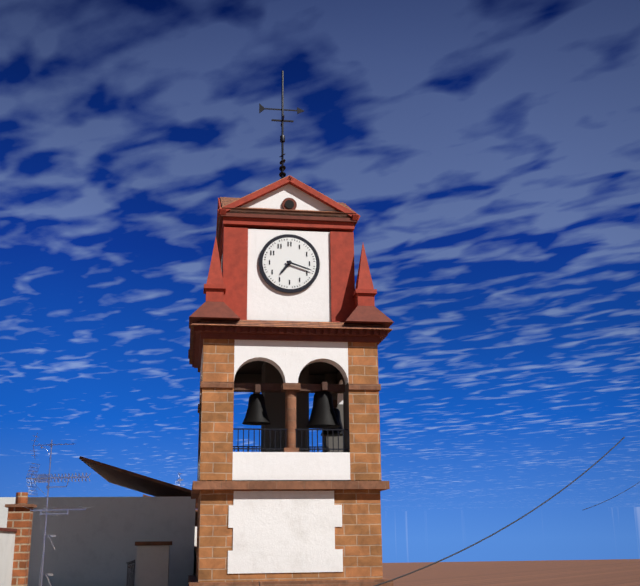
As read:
7,18
